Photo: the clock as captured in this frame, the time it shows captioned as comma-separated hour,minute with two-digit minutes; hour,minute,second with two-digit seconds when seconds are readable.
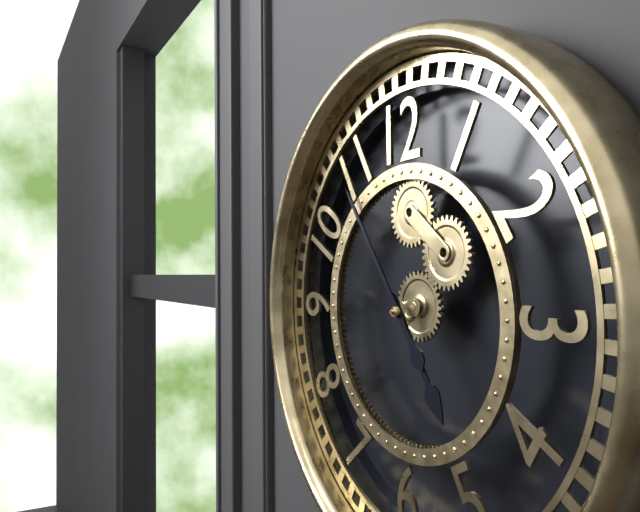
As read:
4,54
